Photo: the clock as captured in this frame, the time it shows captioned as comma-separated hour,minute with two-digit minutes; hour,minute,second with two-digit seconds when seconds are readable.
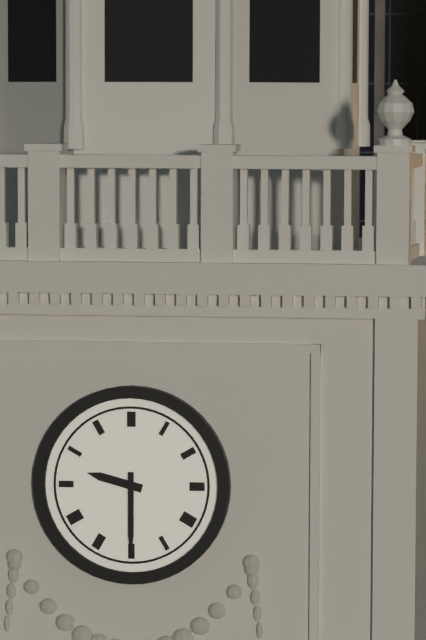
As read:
9,30
